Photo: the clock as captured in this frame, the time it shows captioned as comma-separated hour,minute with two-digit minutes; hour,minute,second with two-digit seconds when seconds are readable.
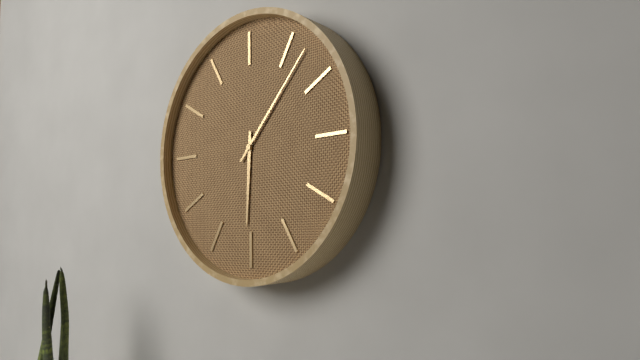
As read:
6,07
